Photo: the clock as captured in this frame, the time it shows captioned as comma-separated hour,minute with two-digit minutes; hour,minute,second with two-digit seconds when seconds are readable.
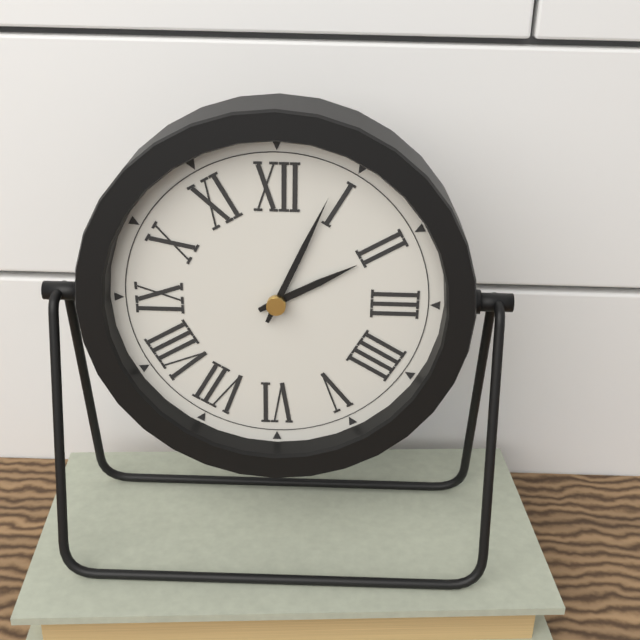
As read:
2,04
